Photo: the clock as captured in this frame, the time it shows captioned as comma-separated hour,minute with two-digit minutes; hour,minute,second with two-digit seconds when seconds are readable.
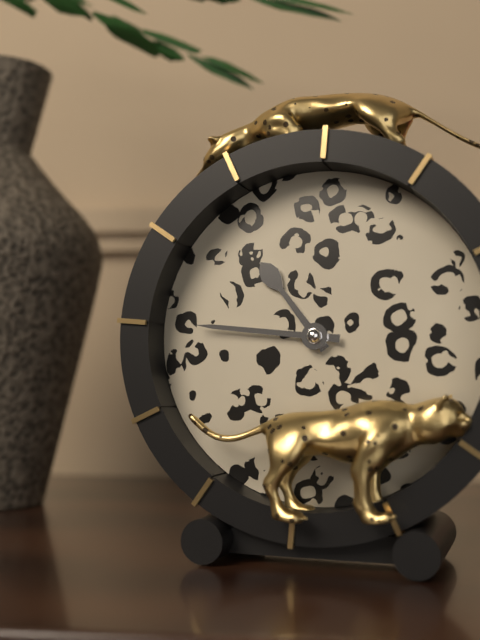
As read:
10,46
